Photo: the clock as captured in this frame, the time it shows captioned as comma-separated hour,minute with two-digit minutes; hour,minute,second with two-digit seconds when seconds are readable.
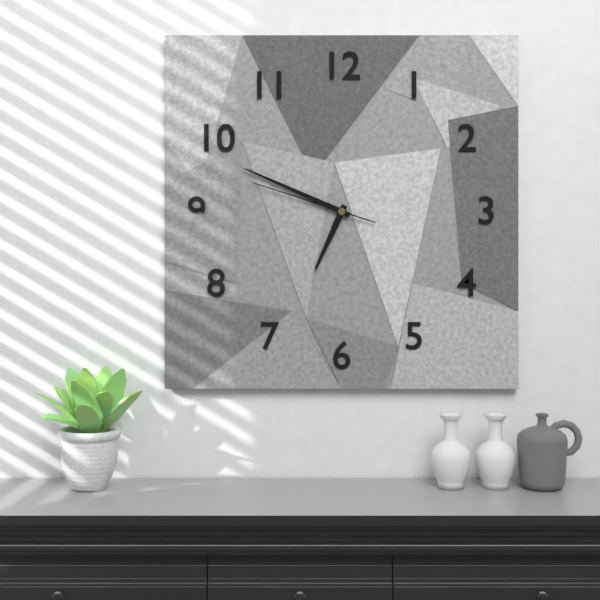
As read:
6,49,48
